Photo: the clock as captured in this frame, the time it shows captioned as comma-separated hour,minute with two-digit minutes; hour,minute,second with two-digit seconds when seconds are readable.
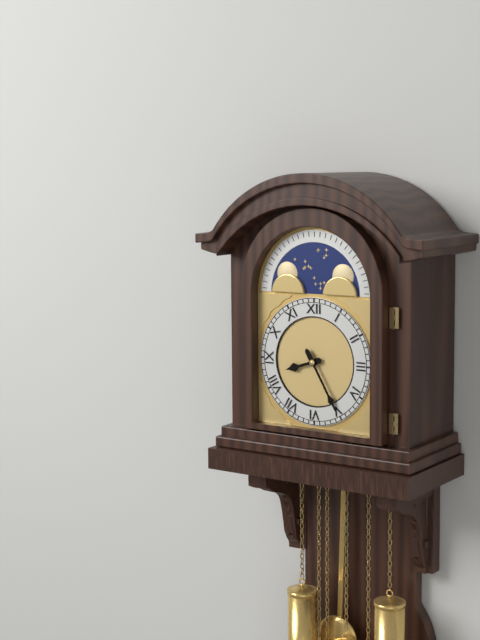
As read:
8,25
